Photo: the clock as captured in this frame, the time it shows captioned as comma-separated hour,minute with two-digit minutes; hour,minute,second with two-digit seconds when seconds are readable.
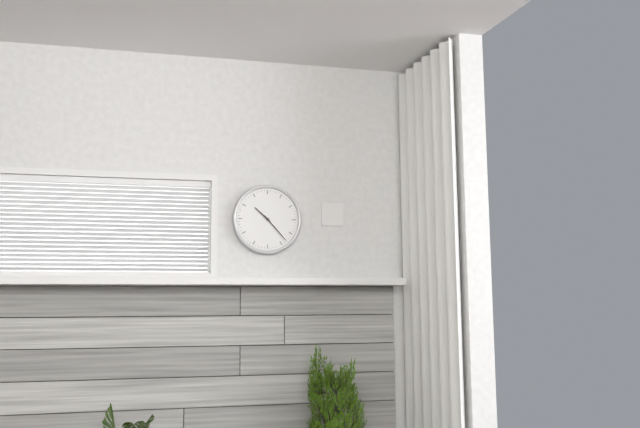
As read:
10,23
